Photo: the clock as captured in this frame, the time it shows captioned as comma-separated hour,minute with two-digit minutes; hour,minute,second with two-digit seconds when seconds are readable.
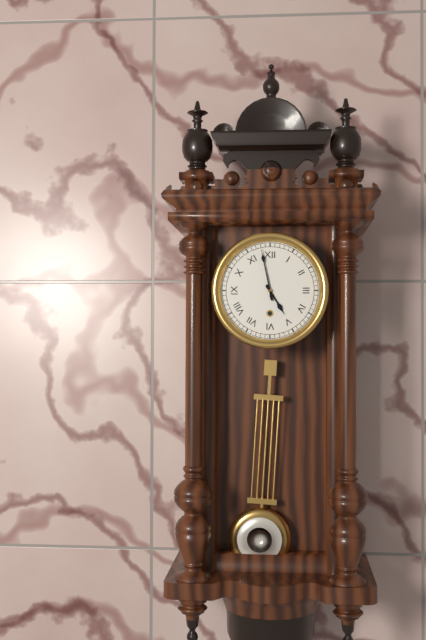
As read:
4,58
